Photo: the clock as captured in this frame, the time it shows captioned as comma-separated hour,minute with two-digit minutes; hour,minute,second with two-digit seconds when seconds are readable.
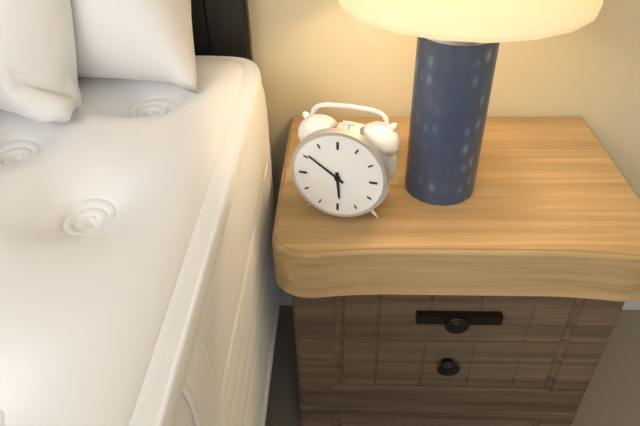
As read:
5,51
